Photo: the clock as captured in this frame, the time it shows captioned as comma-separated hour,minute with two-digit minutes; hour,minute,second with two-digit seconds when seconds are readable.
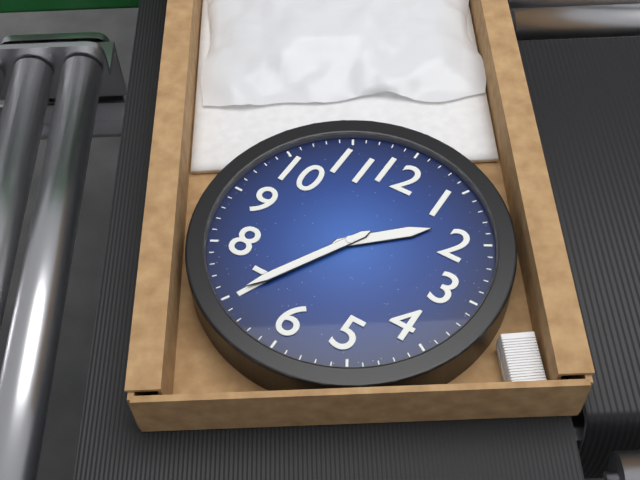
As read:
1,35
